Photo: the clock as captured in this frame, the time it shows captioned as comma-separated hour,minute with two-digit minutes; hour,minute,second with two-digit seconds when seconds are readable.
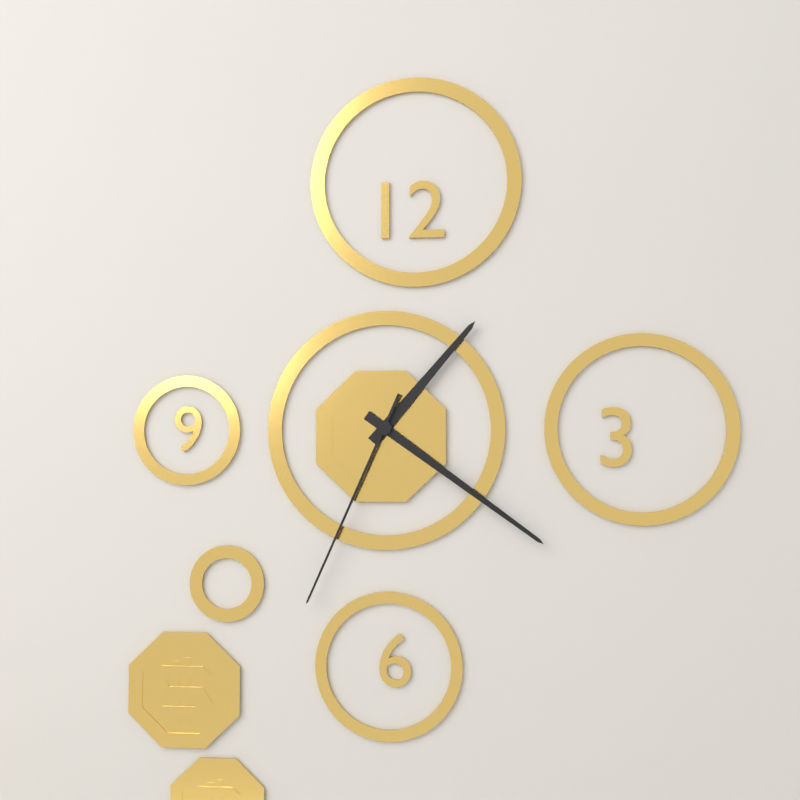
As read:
1,21,34
